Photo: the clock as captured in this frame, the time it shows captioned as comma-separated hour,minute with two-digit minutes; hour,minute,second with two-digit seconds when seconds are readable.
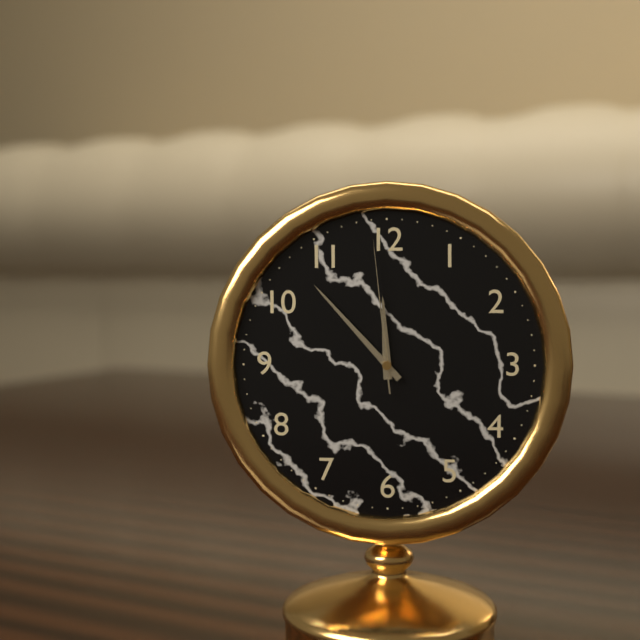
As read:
11,53,59
